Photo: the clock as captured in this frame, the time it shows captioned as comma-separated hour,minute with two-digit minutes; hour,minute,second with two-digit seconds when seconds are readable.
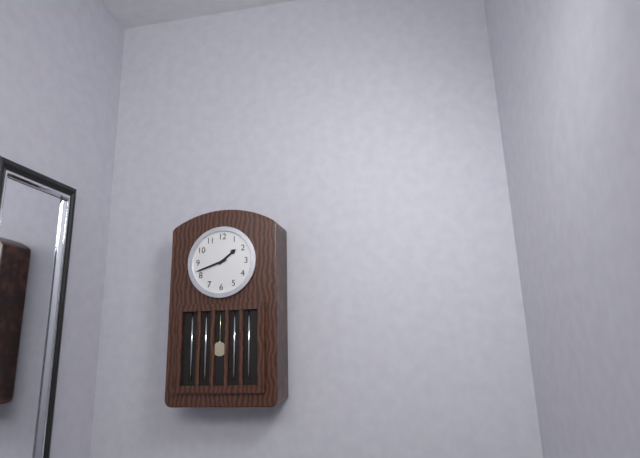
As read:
1,42
